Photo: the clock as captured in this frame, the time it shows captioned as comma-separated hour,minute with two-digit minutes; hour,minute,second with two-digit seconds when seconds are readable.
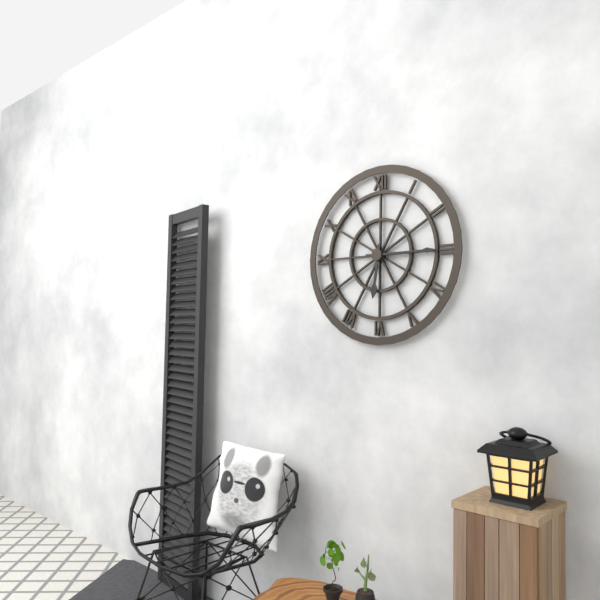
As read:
6,15
